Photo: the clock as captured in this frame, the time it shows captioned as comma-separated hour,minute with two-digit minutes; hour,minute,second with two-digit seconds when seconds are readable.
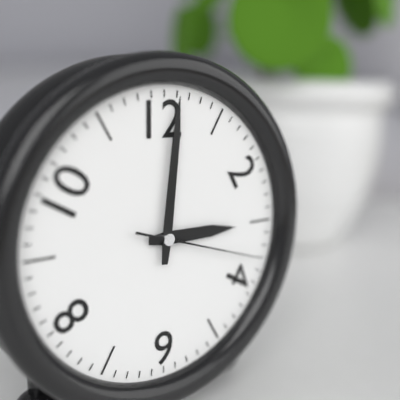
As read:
3,01,18
